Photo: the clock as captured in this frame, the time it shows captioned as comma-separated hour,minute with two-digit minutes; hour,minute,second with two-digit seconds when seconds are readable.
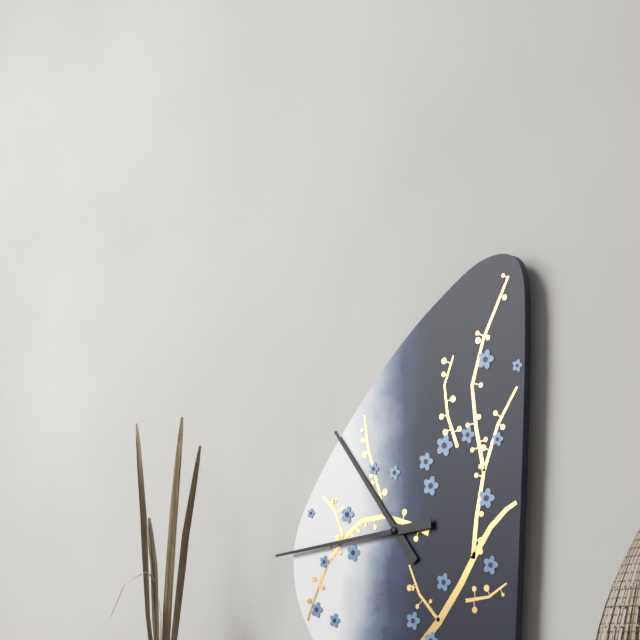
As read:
10,44
